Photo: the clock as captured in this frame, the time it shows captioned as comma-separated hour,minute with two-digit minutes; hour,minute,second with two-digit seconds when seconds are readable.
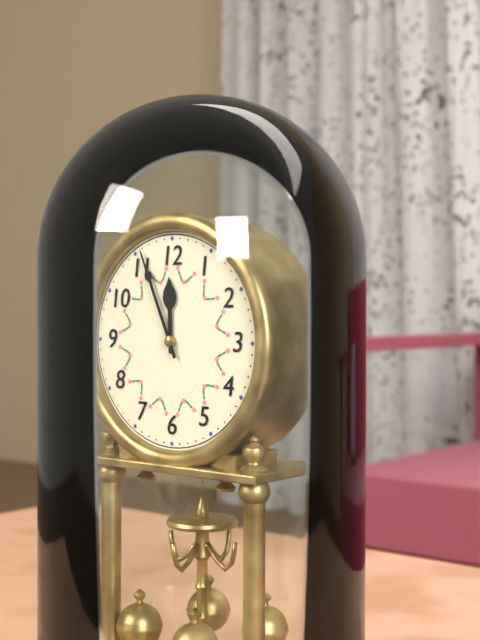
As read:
11,56
